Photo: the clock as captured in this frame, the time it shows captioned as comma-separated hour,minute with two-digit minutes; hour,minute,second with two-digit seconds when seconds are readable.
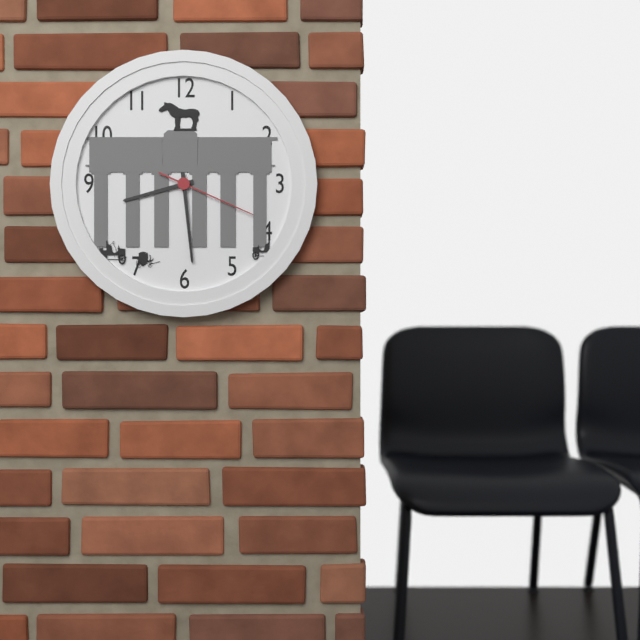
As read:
8,29,19
